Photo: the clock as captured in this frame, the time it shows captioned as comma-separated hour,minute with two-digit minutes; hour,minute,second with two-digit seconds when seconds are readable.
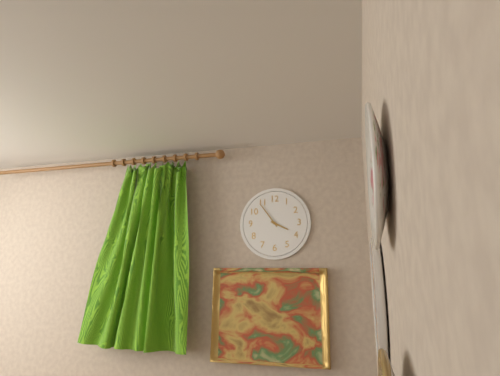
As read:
3,54
